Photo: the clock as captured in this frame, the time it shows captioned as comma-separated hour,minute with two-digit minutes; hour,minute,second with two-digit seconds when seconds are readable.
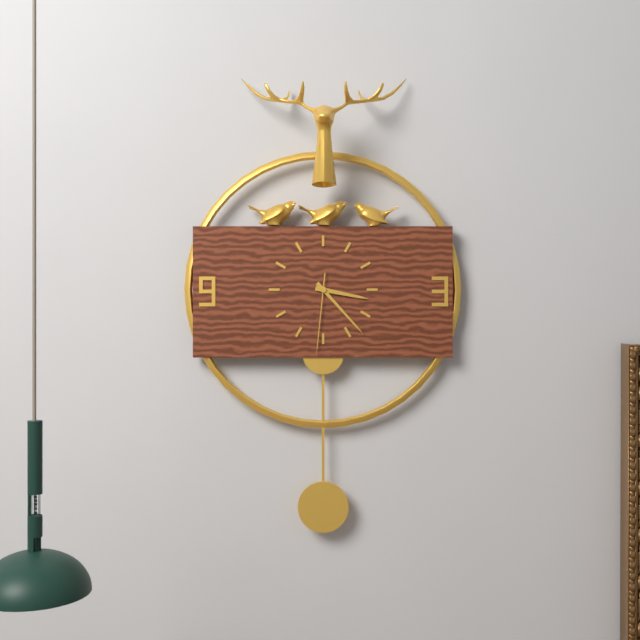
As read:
3,23,31
